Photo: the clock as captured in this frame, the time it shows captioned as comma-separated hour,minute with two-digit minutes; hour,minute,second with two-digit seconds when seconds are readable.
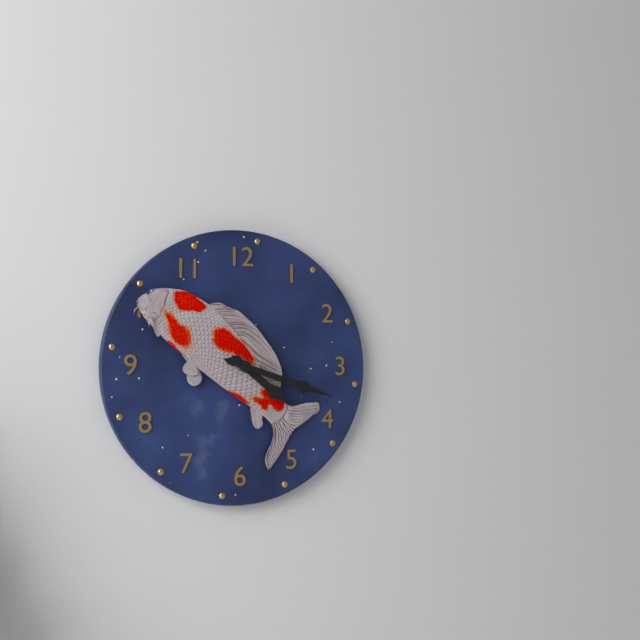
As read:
4,18
